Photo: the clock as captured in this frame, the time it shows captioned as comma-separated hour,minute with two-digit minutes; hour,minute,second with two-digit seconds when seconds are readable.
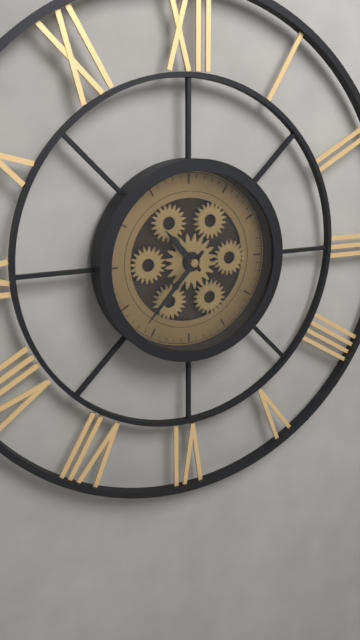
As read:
10,37
